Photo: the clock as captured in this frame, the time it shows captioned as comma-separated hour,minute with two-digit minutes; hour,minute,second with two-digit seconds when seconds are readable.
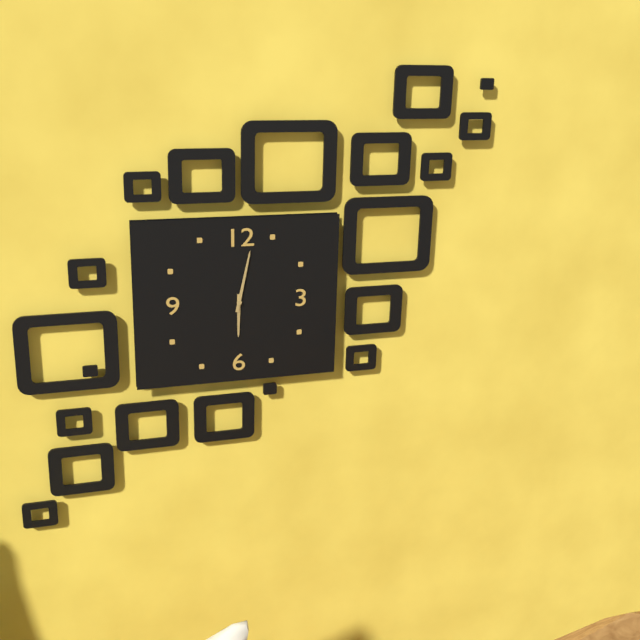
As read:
6,02
